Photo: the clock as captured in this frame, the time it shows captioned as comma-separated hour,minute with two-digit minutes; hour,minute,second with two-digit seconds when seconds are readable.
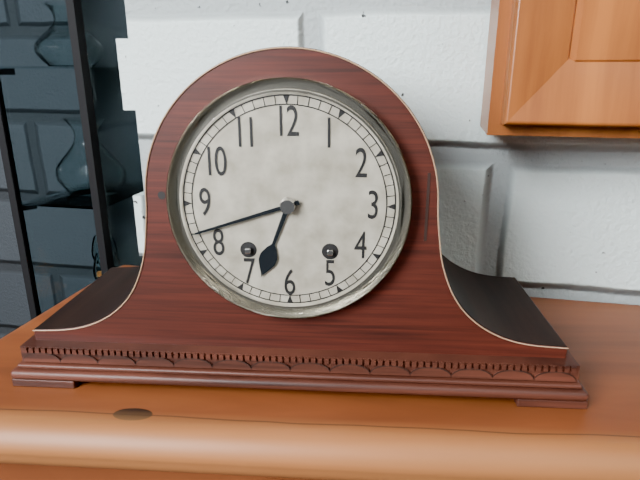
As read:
6,42
